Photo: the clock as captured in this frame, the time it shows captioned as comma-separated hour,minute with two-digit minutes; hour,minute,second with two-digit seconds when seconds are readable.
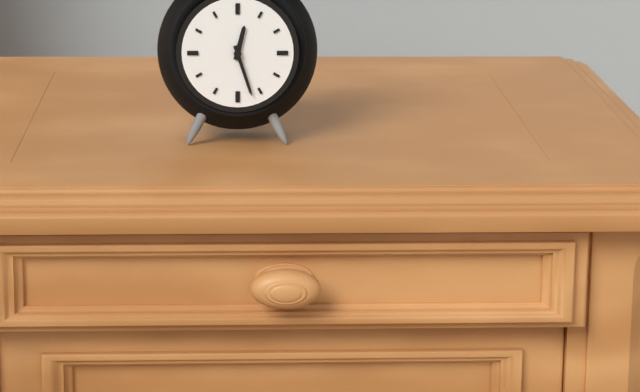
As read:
12,27
